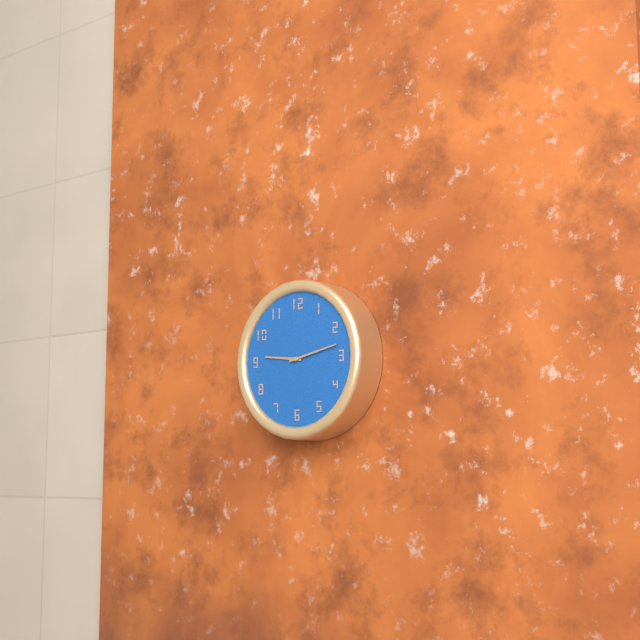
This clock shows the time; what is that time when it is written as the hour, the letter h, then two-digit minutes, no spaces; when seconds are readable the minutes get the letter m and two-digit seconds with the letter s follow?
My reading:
9h13
